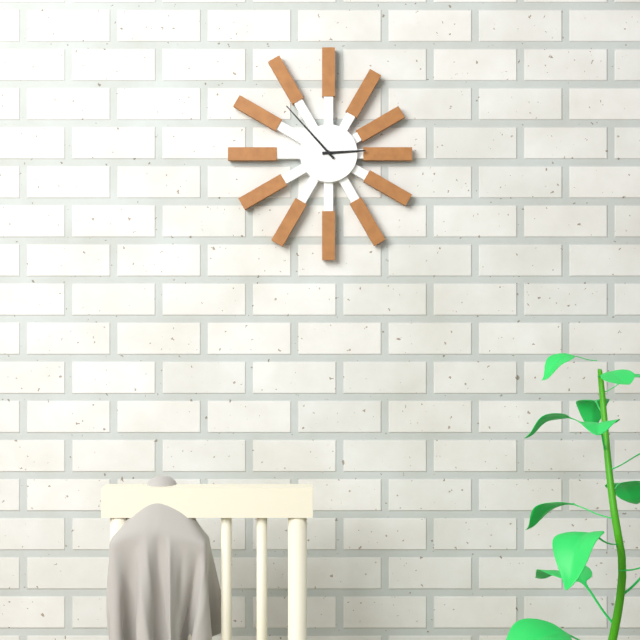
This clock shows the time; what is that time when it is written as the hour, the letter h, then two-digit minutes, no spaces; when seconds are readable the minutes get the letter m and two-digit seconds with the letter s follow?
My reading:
2h53
